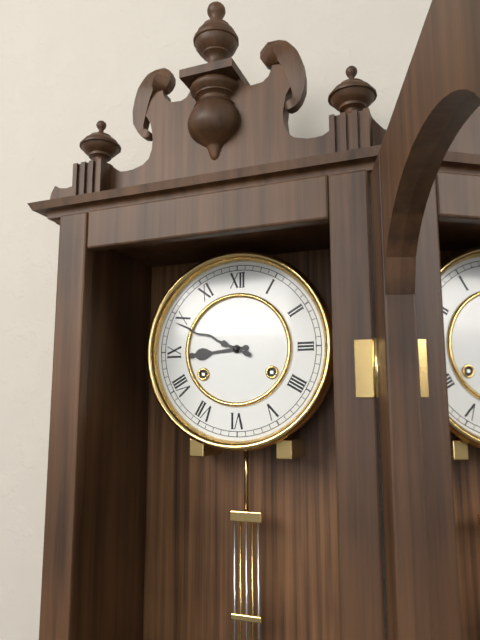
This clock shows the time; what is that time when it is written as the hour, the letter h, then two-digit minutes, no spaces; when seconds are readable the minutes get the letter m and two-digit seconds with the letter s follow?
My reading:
8h49
